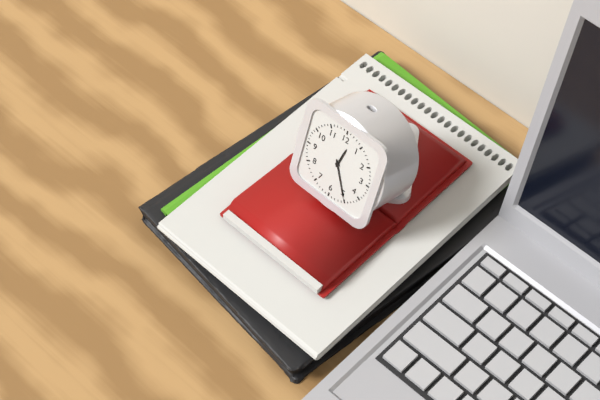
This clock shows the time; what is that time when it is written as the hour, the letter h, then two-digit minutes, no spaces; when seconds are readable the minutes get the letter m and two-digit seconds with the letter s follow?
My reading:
12h25
